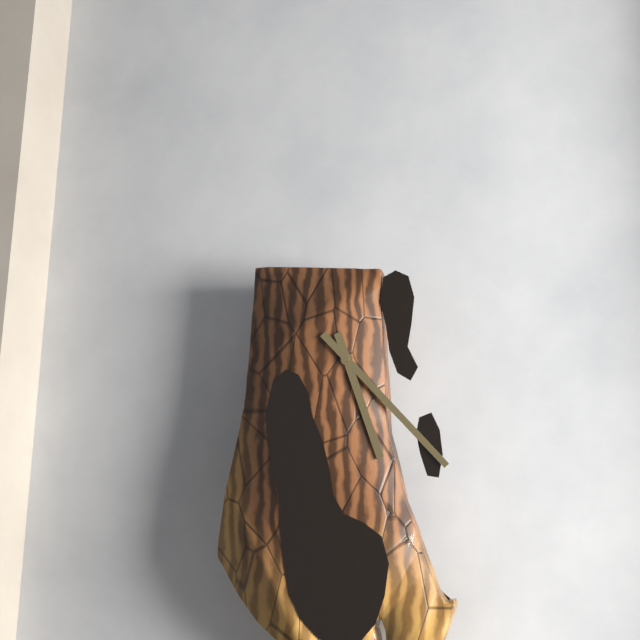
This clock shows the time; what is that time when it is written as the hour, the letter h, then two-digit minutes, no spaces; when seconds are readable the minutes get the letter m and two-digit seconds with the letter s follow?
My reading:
5h23
